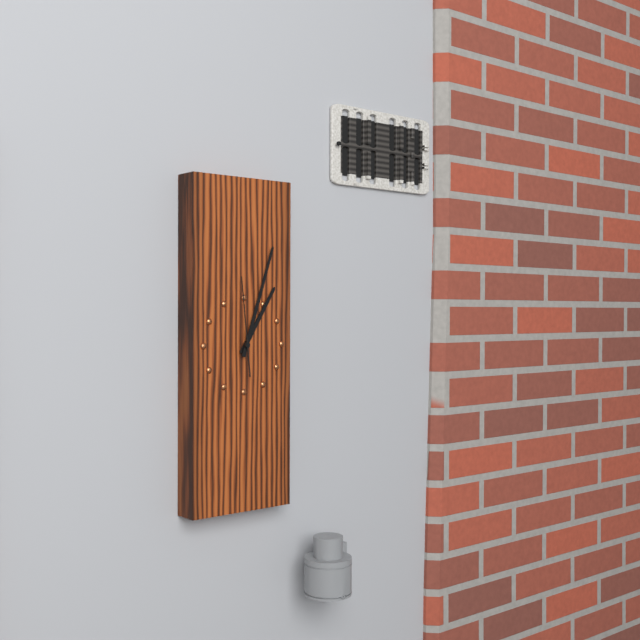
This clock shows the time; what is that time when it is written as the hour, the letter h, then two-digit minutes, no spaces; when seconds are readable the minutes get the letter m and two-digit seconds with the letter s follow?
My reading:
1h03m59s
